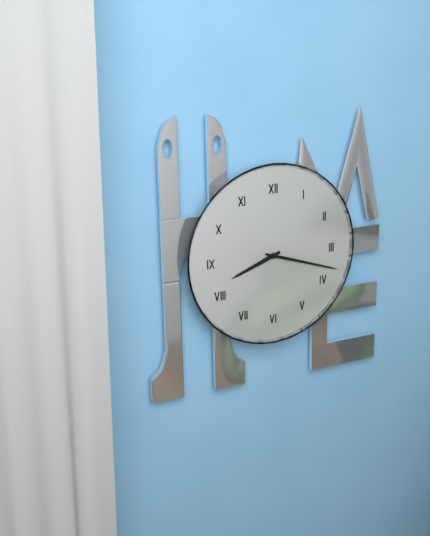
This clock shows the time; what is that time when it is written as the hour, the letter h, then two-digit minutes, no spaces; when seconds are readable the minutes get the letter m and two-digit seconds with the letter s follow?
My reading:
8h18
